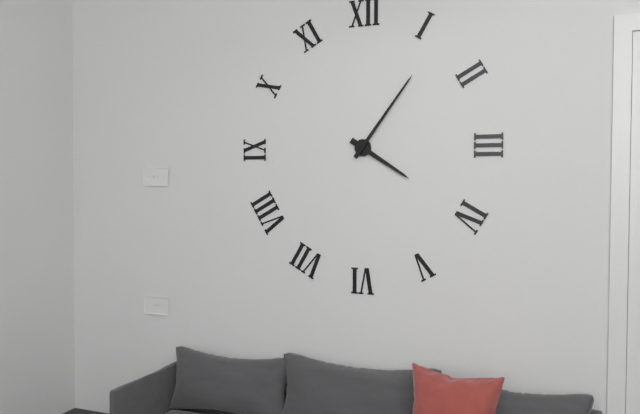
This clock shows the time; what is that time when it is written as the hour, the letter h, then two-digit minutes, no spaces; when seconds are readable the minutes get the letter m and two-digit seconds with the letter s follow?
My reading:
4h06
